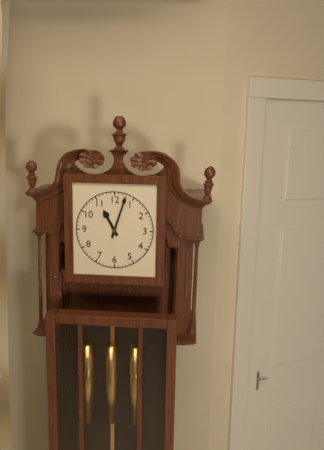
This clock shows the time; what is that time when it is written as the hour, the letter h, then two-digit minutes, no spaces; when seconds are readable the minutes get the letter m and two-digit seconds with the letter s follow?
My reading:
11h03
